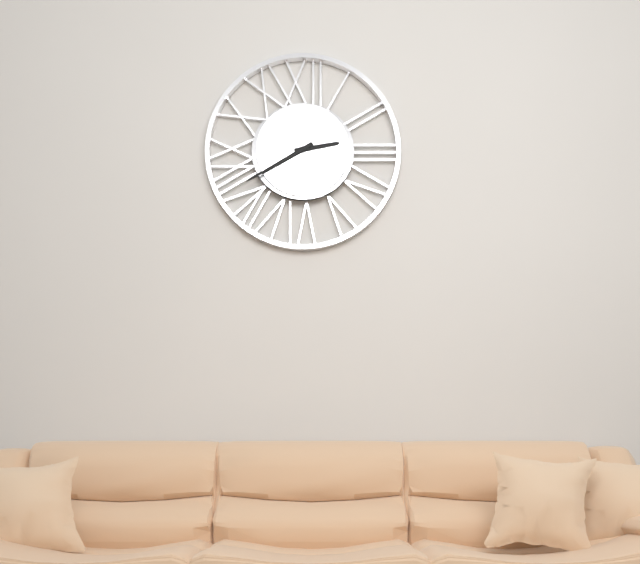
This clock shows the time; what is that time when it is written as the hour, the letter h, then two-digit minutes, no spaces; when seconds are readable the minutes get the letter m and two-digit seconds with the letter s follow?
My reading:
2h40
